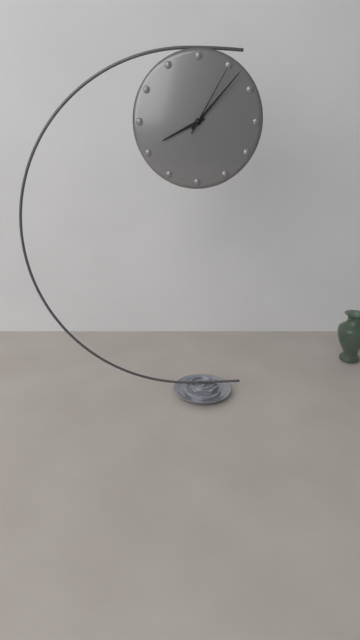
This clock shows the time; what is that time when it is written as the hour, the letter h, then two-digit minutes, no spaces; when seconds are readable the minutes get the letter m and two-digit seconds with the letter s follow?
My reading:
8h07m05s
